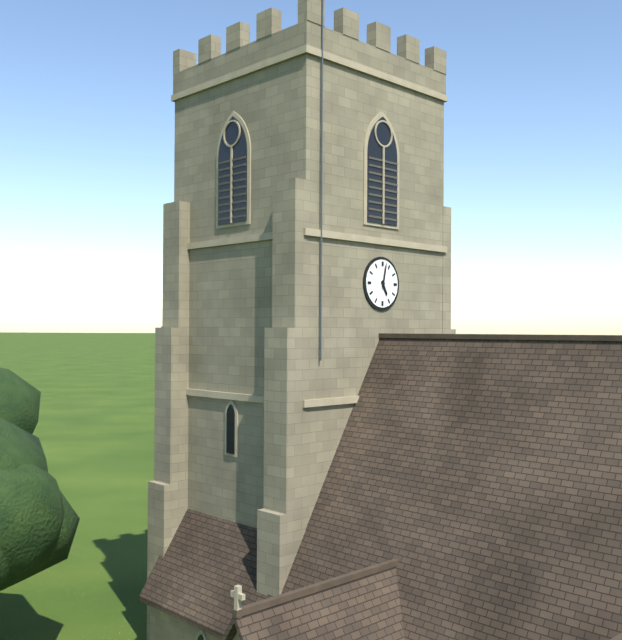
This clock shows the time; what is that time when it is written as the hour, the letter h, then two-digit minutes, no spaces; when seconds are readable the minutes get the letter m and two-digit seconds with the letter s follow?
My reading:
5h02
